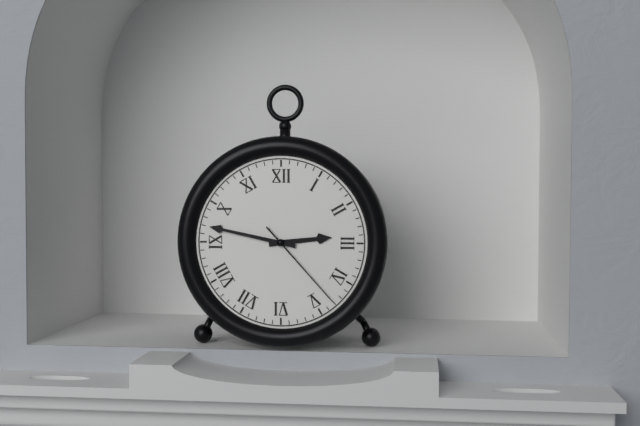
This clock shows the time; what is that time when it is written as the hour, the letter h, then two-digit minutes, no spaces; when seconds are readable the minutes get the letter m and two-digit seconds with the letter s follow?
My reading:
2h47m23s
